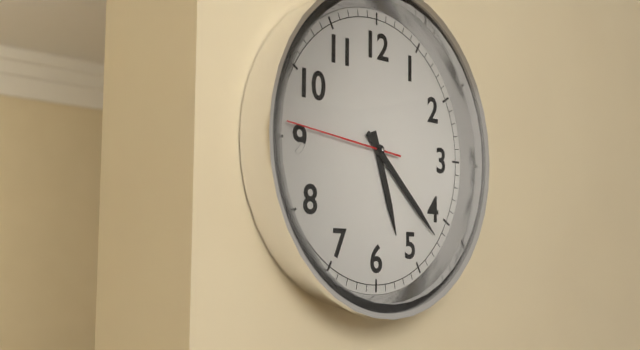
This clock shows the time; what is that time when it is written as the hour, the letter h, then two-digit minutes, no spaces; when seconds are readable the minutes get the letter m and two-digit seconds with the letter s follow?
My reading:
5h22m46s
